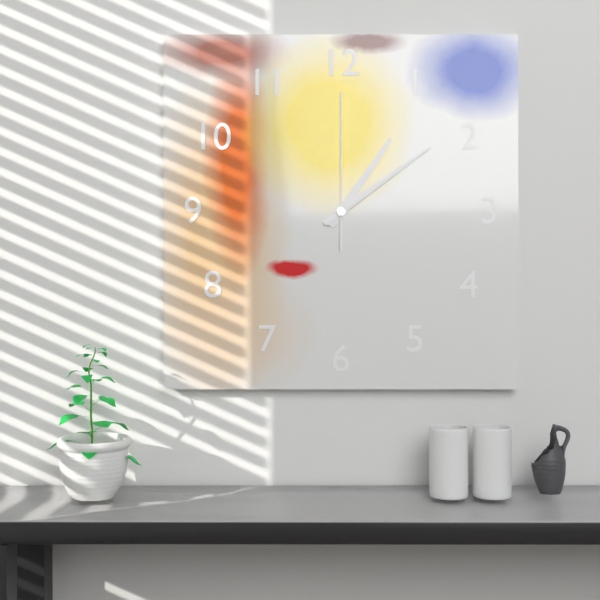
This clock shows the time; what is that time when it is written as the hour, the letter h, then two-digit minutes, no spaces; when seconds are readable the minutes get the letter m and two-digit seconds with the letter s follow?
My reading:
1h09m00s
